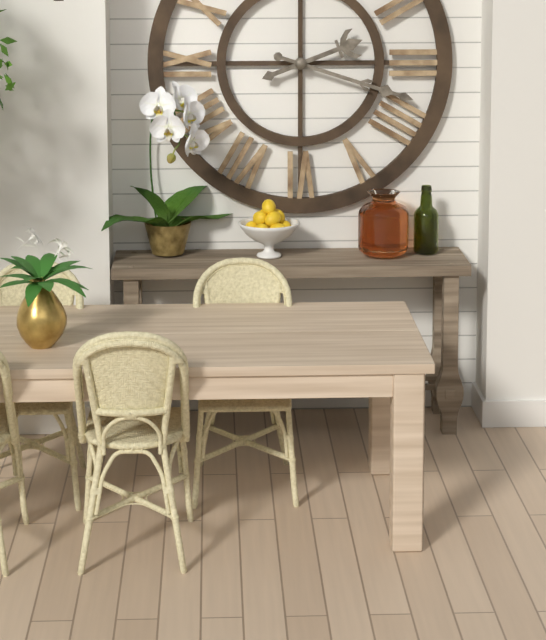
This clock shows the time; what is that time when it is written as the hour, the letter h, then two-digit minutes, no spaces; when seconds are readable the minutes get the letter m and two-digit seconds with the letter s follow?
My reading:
2h18
